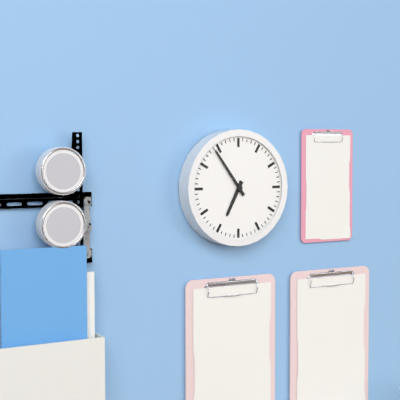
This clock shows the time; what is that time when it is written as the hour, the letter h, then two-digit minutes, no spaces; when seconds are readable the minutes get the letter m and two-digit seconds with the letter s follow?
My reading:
6h54
